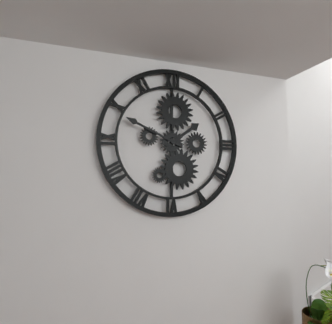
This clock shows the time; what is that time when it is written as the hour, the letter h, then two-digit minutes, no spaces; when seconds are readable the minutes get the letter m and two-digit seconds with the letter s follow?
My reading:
1h49
